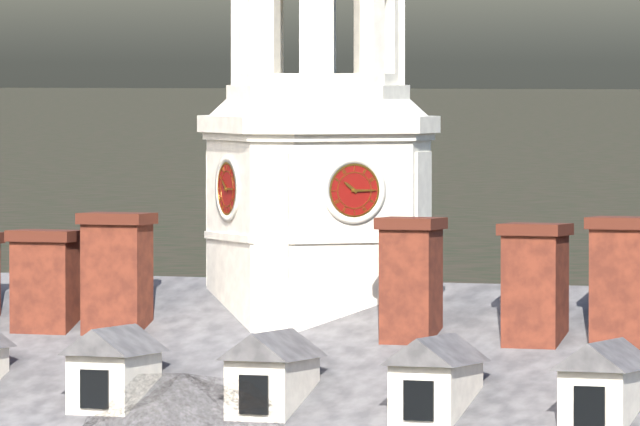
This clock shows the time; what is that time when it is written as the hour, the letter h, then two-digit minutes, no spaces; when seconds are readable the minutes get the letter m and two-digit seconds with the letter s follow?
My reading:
10h15
